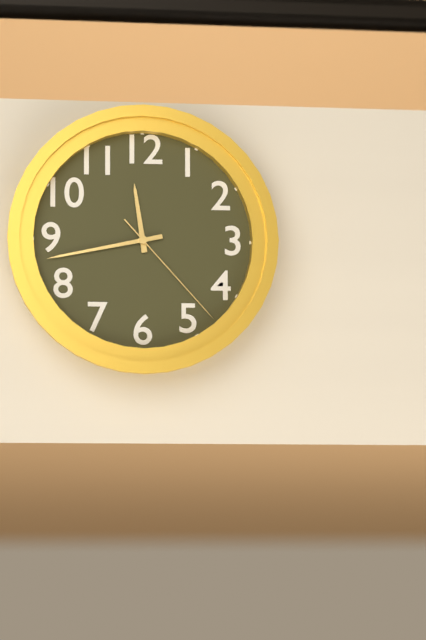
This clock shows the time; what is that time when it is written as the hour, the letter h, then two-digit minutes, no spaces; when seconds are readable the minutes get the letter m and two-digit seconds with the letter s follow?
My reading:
11h43m23s
